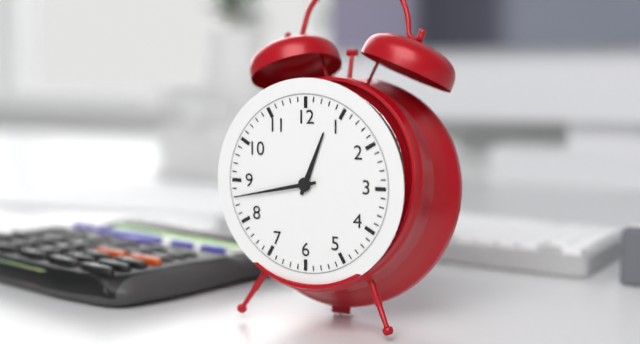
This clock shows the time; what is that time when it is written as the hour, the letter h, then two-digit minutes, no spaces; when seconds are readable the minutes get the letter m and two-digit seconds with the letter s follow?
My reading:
12h43
